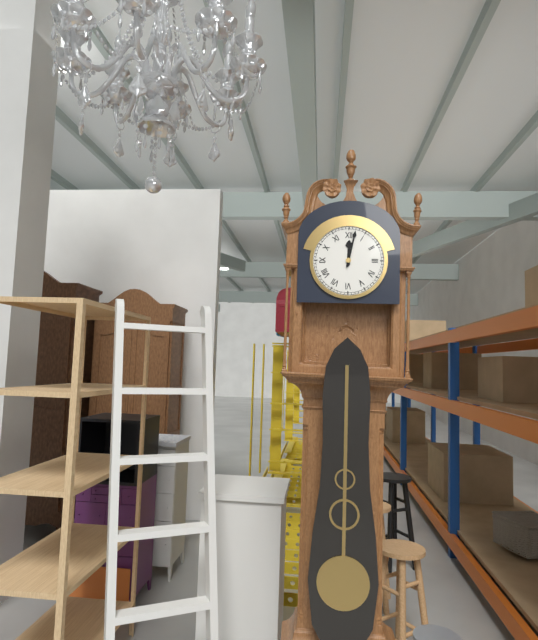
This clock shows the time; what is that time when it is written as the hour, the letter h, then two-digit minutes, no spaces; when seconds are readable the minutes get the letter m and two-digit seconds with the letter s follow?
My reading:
12h02
